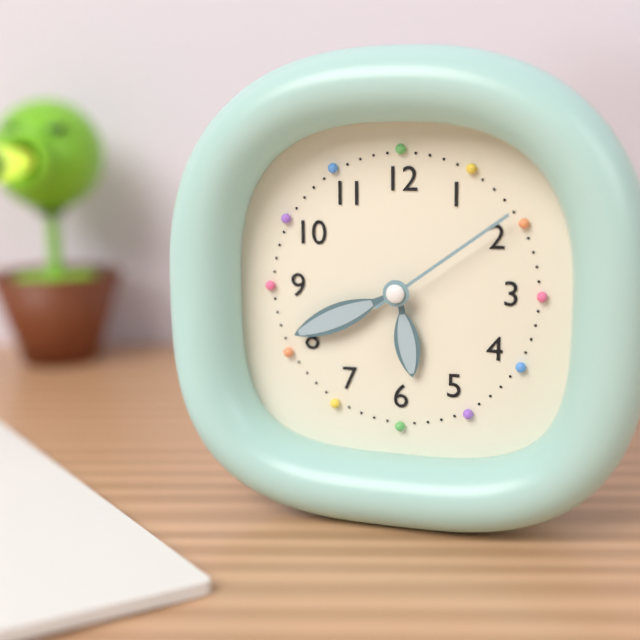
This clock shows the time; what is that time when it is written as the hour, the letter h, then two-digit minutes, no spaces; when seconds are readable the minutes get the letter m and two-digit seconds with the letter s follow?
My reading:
5h41m09s
